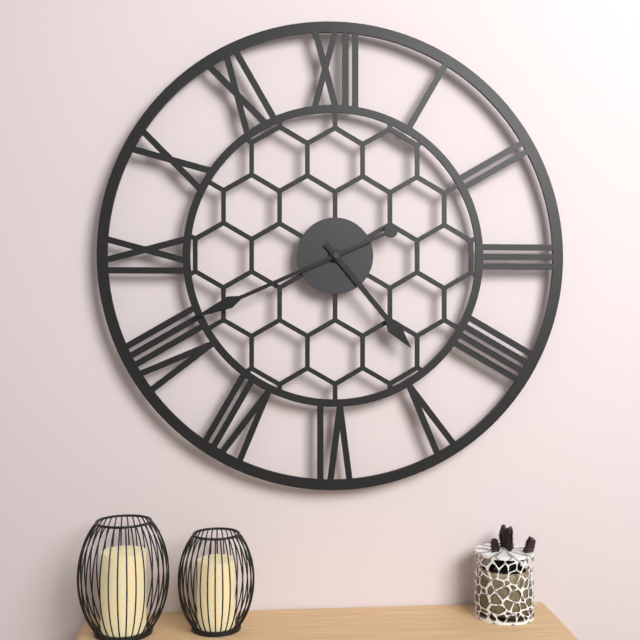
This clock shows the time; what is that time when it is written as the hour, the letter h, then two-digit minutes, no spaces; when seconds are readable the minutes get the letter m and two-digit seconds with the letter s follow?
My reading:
4h41
